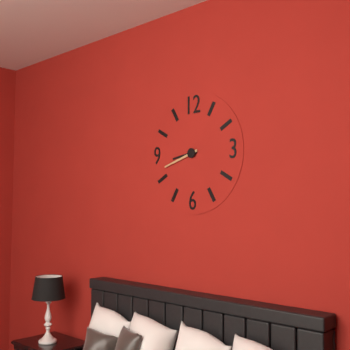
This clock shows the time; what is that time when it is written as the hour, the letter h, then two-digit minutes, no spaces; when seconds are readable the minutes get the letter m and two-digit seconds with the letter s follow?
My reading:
8h42
